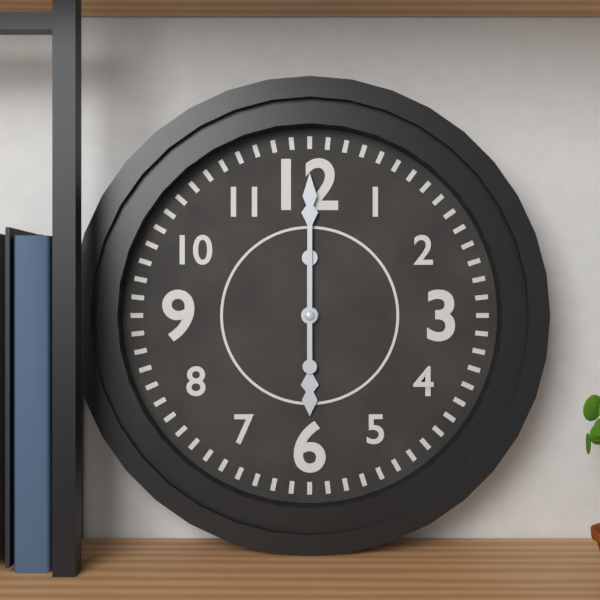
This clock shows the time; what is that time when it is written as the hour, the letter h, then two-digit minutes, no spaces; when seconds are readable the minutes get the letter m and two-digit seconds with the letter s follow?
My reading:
6h00
